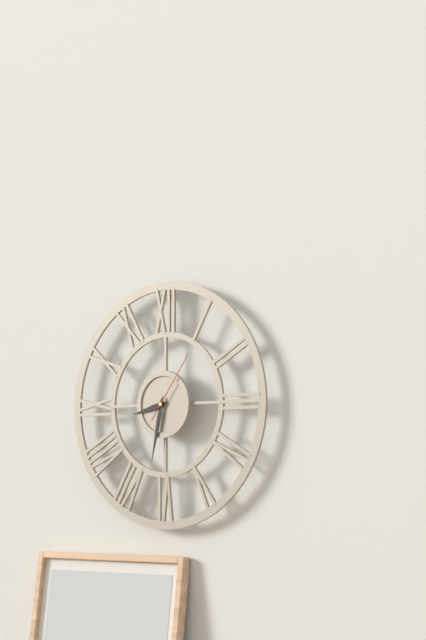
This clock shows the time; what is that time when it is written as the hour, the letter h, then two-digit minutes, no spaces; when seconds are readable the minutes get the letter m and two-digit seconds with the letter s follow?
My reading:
8h32m06s
